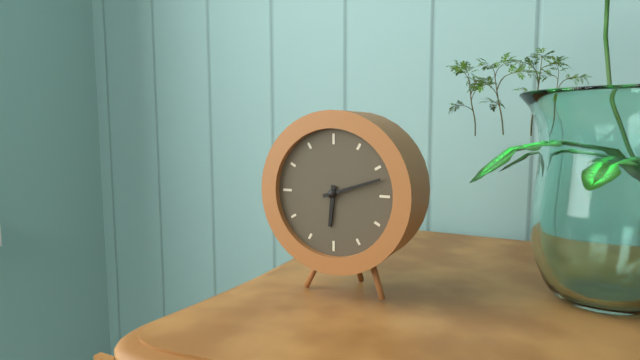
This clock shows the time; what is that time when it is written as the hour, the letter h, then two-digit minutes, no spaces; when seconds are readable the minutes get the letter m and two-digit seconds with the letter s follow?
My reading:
6h12
